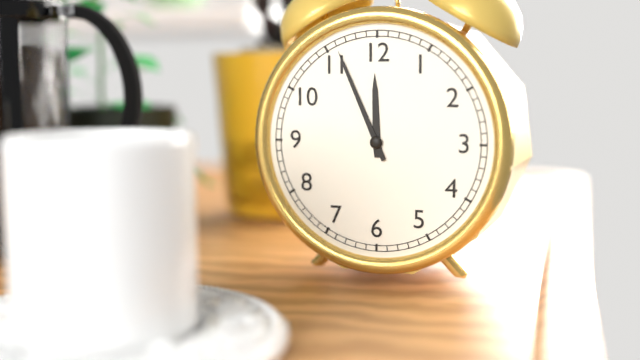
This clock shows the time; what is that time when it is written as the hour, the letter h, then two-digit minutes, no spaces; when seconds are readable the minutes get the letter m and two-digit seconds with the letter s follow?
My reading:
11h56
